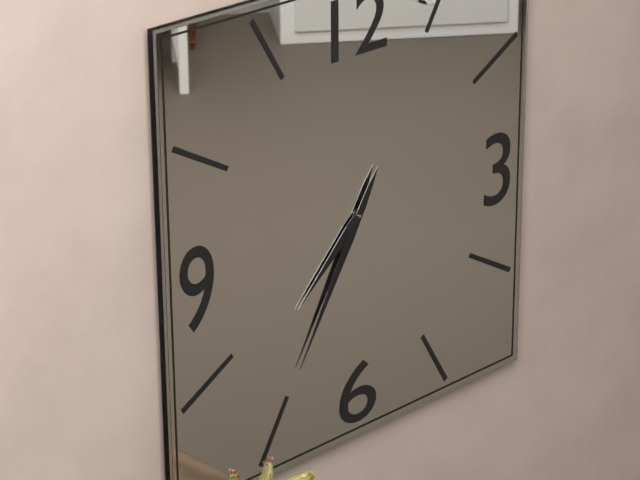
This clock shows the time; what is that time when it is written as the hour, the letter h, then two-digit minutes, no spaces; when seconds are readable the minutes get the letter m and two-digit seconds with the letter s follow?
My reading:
7h35
